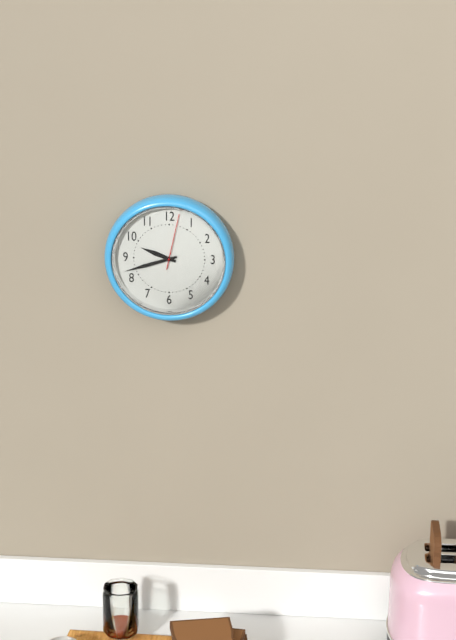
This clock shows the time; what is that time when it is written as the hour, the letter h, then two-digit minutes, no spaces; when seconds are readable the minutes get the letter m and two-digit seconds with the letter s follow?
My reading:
9h42m02s
